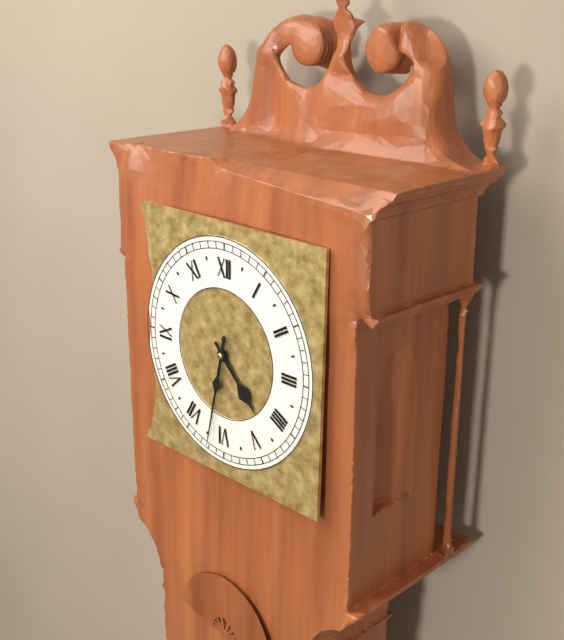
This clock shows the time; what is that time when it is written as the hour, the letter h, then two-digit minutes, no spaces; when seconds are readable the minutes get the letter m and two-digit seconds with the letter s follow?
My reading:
4h32
